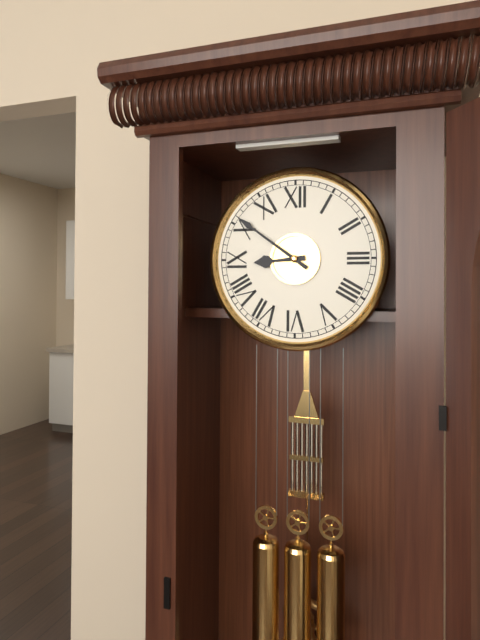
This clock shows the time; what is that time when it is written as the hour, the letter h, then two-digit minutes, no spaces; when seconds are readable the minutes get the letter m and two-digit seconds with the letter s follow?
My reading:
8h51
